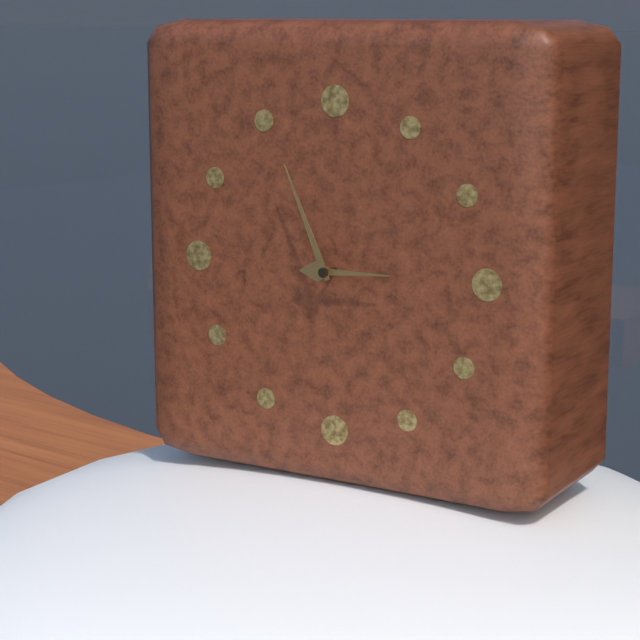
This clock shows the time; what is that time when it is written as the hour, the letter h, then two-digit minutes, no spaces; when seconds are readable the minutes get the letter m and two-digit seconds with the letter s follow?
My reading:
2h56
